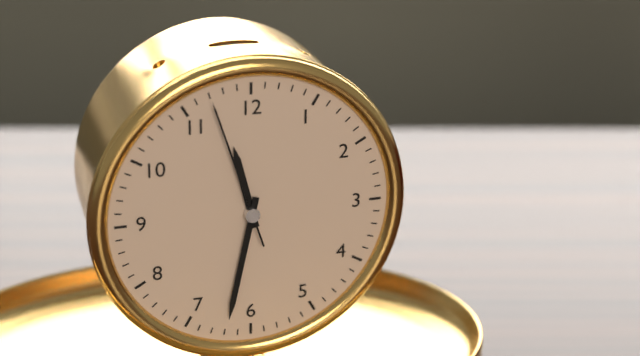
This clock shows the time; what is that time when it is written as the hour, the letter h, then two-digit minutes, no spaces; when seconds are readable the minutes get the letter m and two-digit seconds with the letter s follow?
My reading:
11h32m57s
